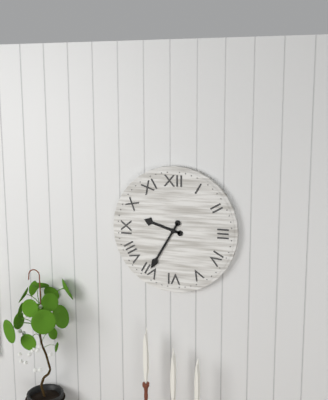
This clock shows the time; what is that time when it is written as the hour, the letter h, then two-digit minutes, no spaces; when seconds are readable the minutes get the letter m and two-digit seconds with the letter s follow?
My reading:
9h35
